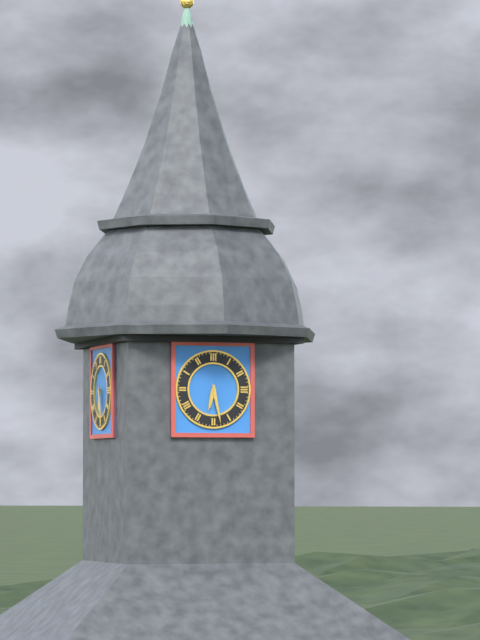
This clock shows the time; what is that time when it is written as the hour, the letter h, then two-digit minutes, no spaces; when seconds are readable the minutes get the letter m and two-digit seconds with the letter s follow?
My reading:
6h28
